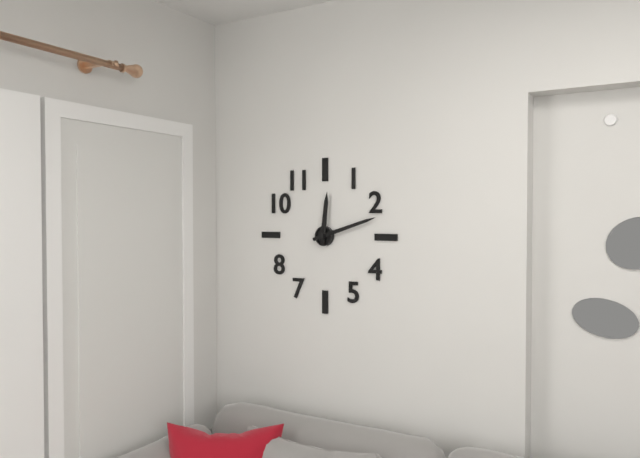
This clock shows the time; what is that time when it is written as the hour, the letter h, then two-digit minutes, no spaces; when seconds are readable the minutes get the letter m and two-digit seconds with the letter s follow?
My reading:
12h12
